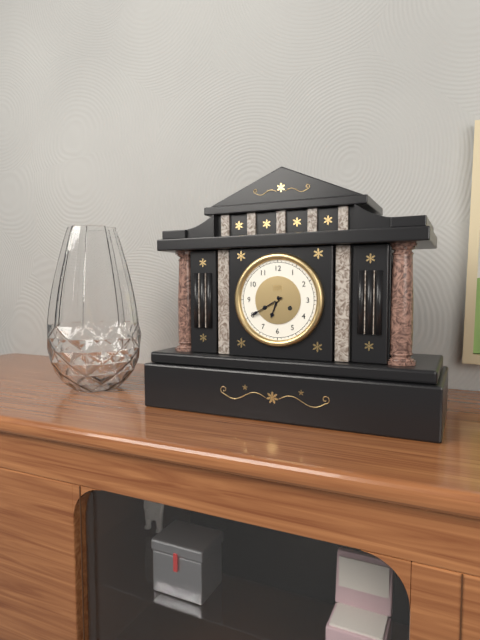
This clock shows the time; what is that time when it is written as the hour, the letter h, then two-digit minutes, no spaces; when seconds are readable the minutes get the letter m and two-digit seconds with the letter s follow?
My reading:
6h40
